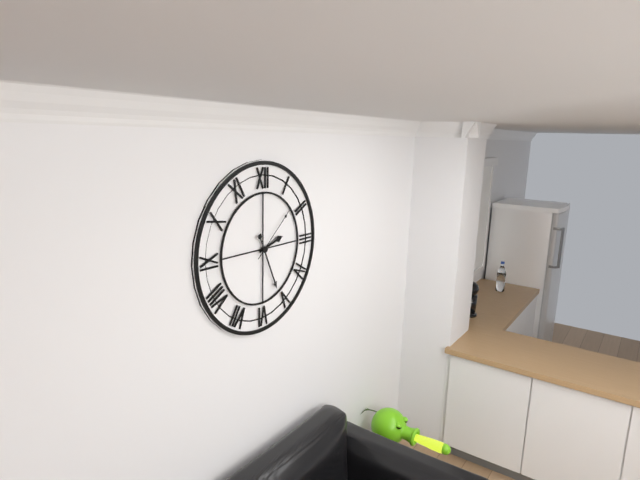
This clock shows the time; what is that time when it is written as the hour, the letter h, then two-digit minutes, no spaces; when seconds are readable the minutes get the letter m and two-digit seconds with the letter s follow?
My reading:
2h26m08s
